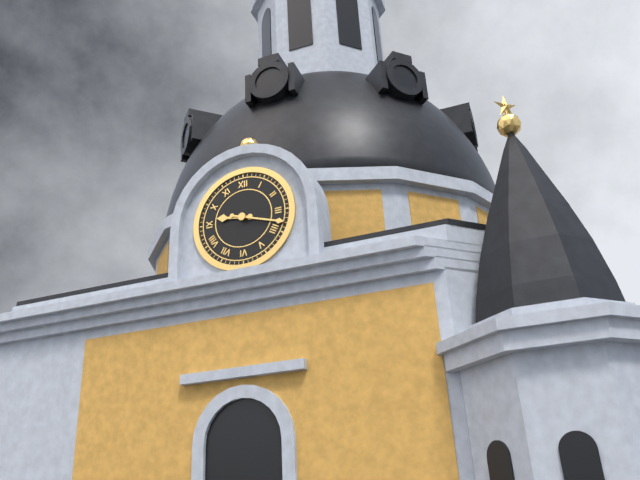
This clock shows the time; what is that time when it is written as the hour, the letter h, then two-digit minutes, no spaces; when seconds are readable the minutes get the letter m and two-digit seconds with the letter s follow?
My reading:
9h18
